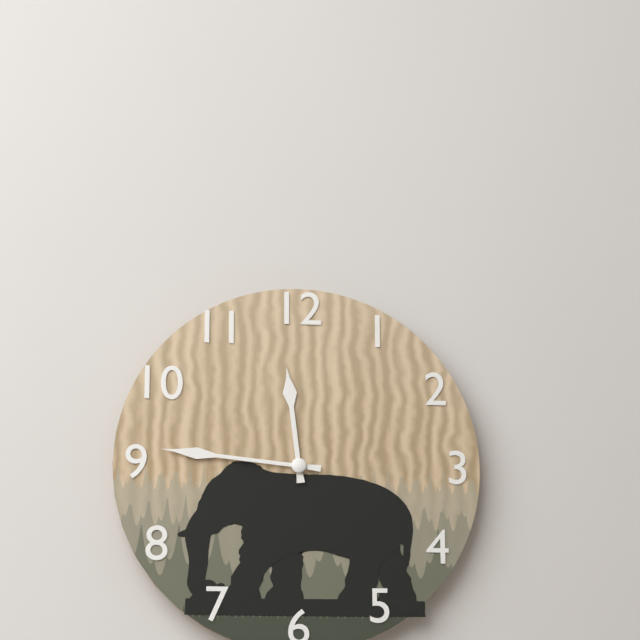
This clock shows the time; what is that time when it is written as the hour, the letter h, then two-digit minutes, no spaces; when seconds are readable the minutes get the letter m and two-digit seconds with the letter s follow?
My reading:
11h46
